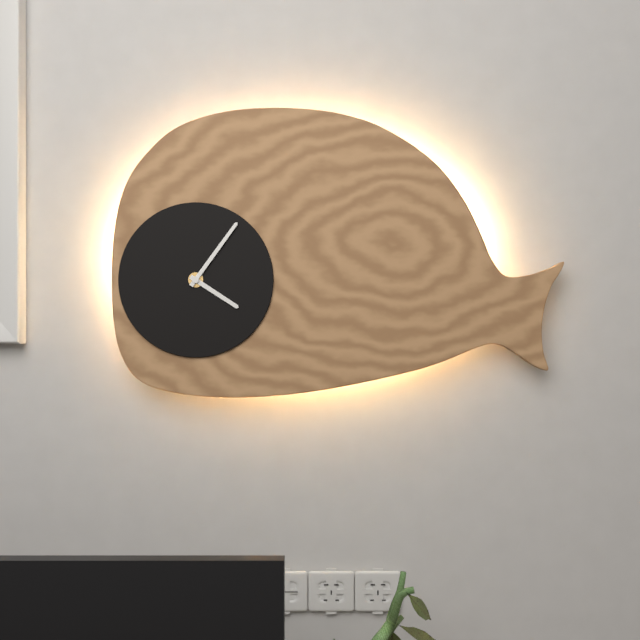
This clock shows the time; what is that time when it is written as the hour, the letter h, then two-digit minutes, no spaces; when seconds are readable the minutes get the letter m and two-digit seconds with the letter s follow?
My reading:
4h06
